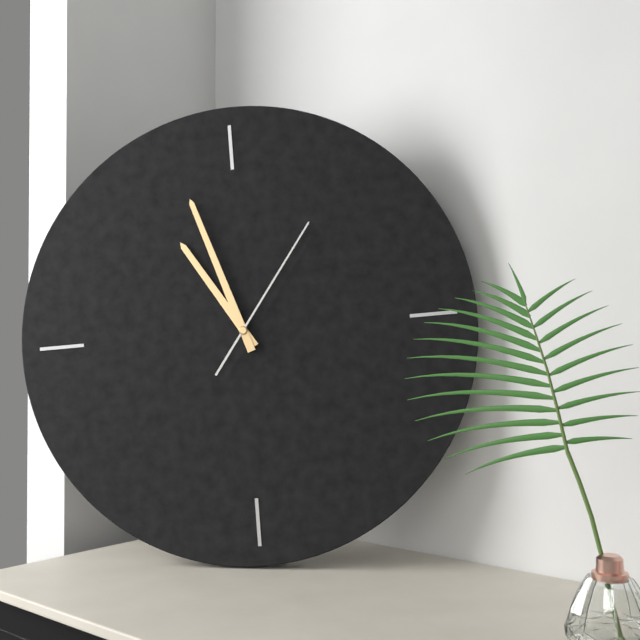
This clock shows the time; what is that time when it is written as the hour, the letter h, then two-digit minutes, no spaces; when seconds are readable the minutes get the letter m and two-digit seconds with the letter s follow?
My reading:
10h57m06s
